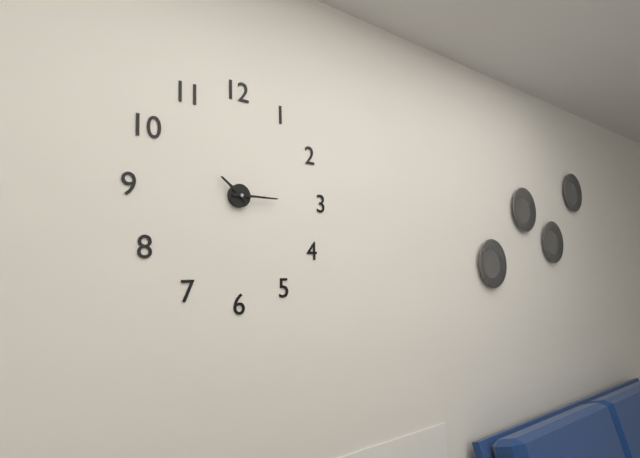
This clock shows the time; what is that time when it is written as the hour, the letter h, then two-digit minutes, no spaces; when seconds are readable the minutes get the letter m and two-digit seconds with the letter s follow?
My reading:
10h15
